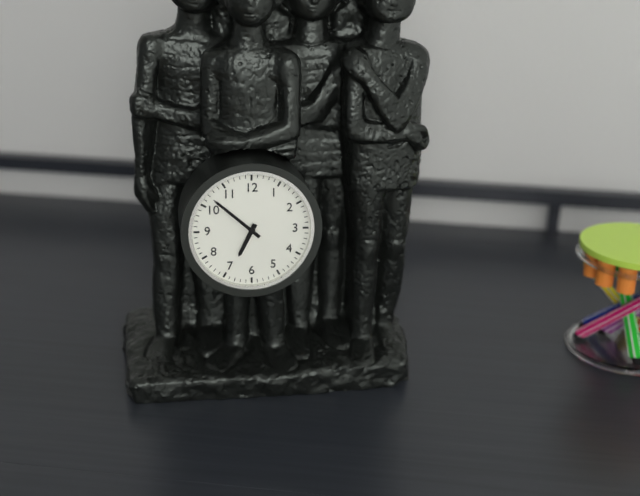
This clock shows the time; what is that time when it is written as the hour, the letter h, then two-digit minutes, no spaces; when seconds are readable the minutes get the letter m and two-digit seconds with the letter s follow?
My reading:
6h52
